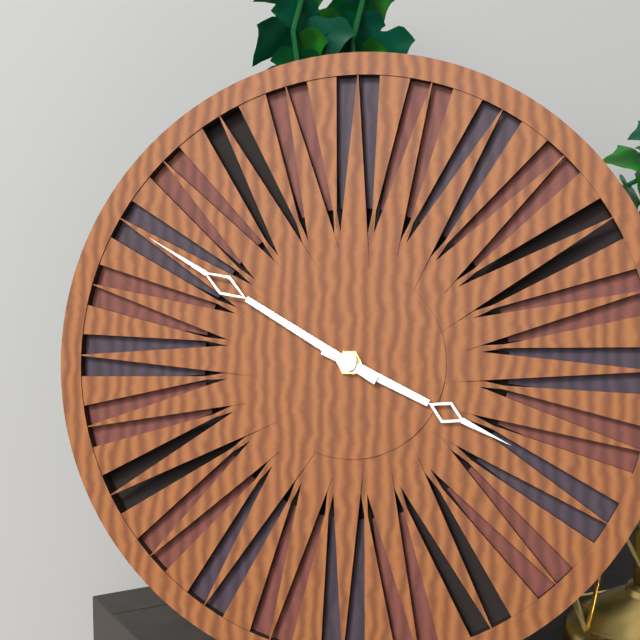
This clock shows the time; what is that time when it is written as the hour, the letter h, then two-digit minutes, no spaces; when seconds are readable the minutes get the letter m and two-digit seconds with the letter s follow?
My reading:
3h50
